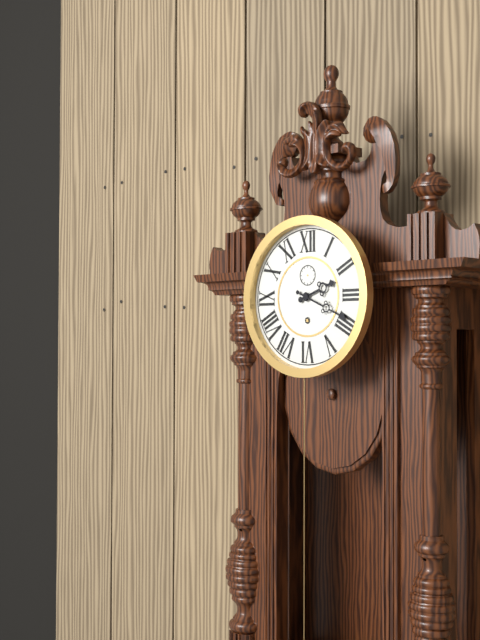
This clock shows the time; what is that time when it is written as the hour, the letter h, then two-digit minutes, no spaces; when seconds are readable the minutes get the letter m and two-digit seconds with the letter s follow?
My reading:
2h19
